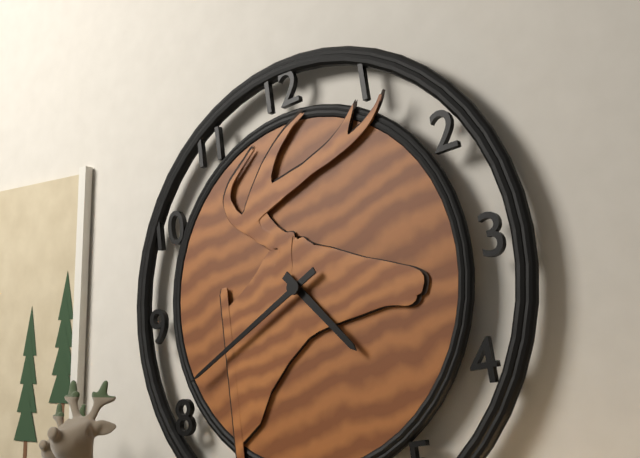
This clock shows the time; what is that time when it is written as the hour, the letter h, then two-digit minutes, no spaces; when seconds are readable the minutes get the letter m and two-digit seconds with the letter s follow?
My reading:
4h41
